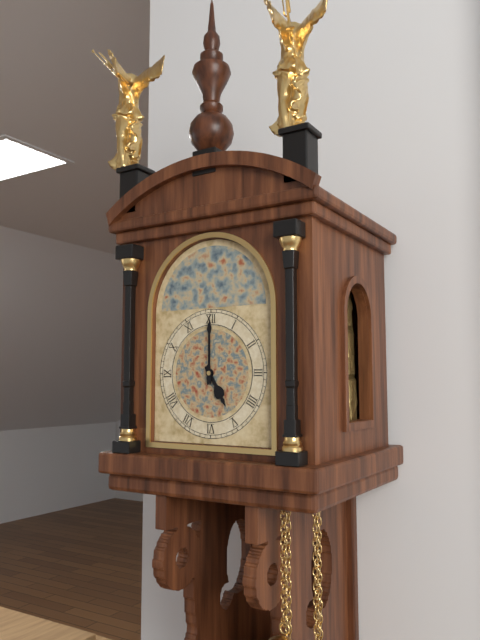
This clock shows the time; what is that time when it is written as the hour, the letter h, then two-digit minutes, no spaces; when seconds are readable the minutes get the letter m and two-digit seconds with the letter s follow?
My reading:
5h00
